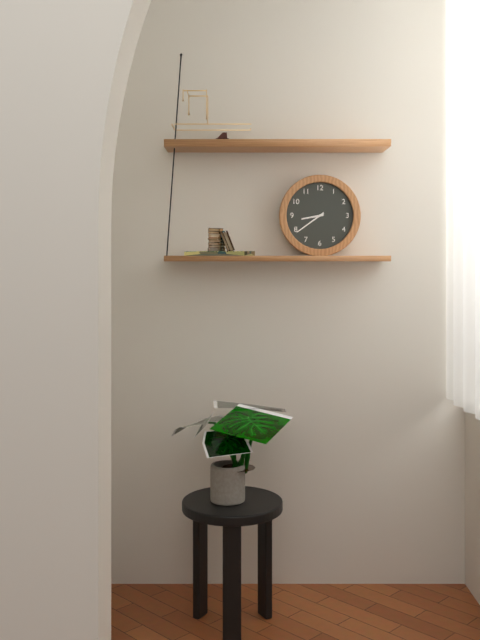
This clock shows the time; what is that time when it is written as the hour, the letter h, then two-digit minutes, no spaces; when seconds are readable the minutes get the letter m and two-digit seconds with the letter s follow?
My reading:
8h39
